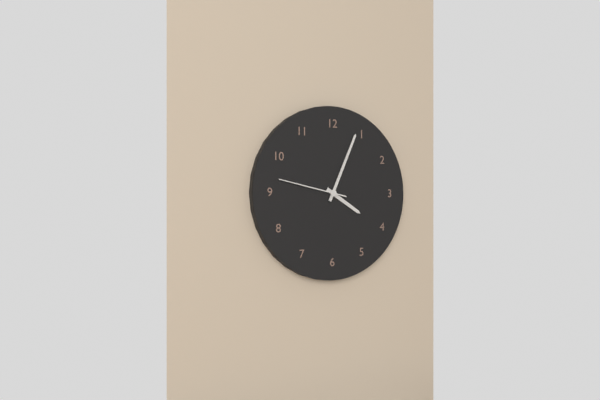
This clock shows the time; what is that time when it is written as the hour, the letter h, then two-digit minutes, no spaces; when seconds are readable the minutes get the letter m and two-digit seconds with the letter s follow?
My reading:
4h04m47s
